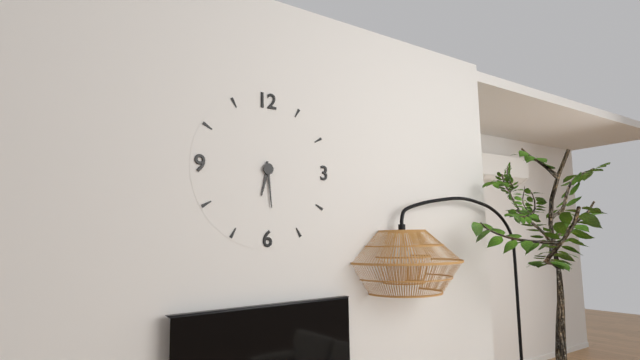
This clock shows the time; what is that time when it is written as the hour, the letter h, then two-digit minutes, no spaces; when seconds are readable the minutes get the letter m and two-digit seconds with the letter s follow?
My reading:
6h29
